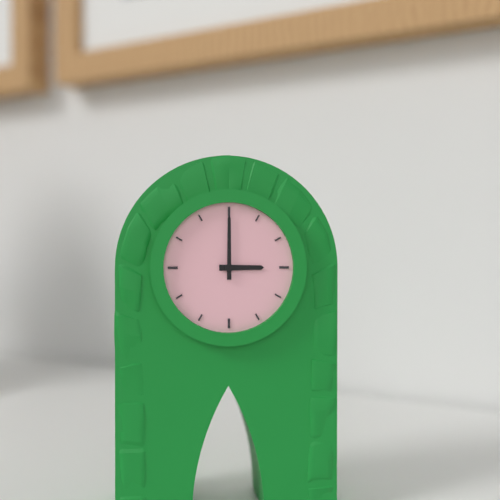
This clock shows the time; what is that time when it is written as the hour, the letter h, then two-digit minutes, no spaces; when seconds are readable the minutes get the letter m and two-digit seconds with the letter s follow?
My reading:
3h00
